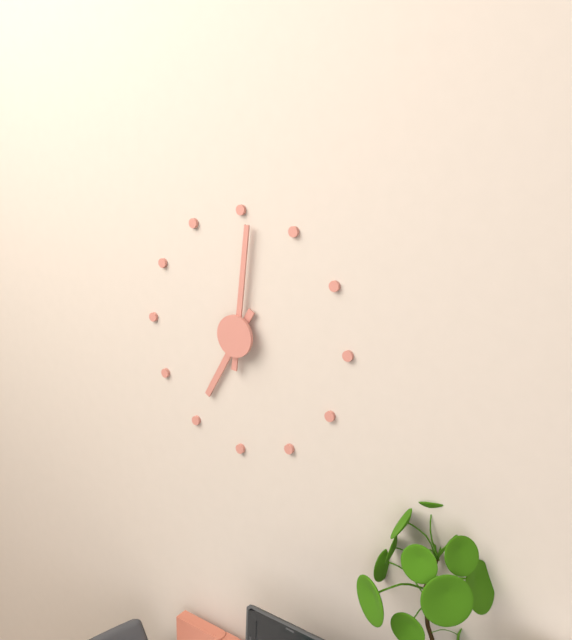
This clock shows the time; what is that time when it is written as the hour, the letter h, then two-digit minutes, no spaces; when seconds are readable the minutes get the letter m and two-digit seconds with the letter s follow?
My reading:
7h01
